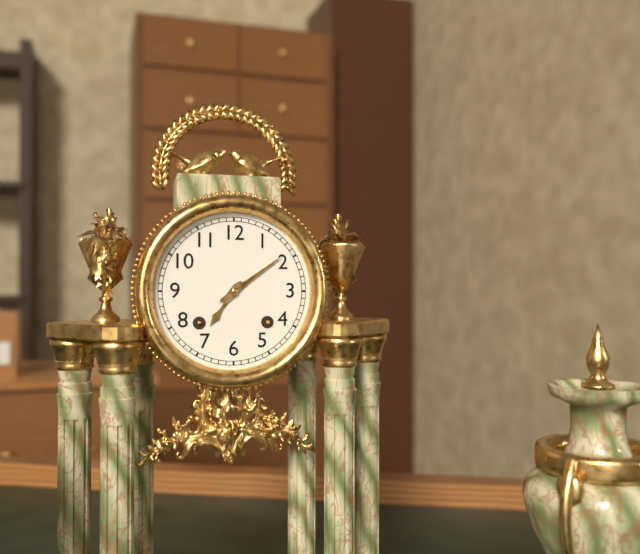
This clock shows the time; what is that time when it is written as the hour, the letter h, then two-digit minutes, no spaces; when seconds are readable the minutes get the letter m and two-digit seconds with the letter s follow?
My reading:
7h09
